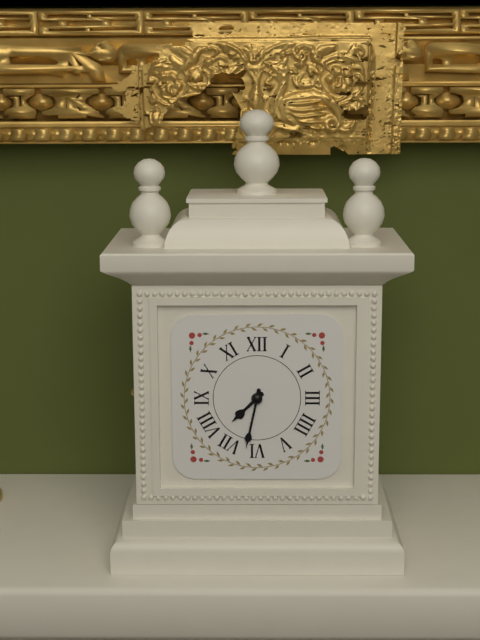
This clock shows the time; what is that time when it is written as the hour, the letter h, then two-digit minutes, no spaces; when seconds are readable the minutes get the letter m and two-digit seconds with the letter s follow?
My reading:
7h32
